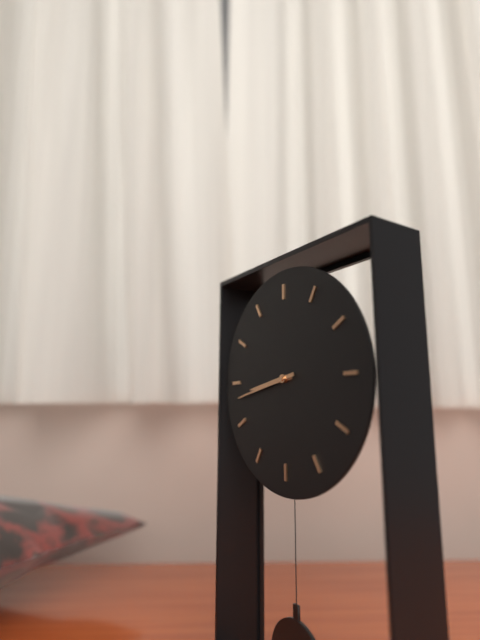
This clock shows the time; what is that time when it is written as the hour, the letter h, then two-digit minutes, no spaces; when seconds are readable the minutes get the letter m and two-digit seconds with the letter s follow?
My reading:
8h43
